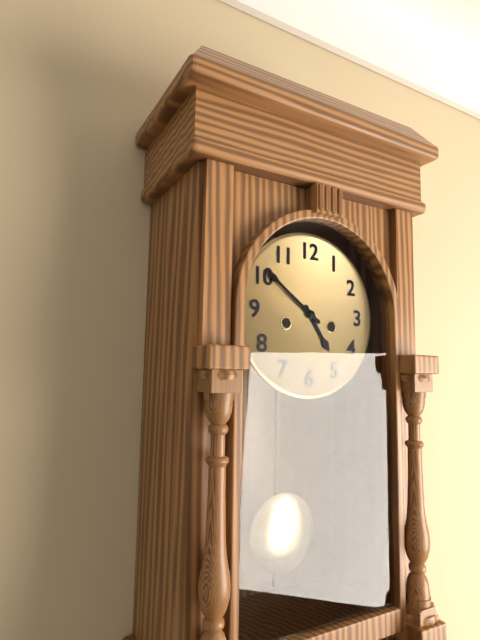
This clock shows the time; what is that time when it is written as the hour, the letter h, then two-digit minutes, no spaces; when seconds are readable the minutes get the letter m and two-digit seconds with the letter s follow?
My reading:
4h51
